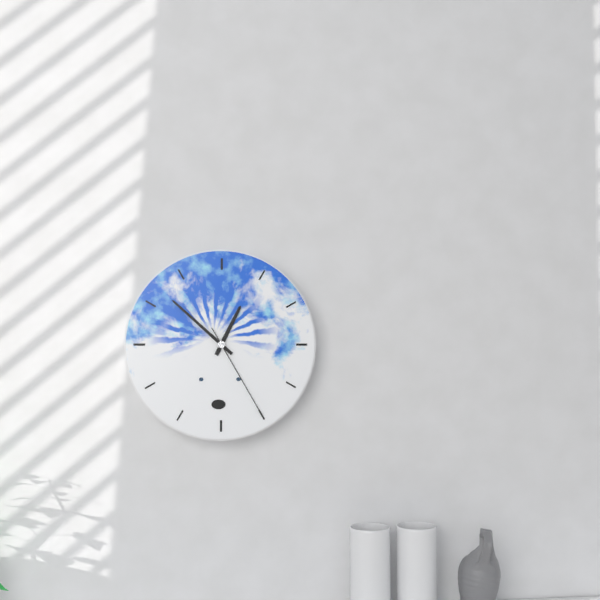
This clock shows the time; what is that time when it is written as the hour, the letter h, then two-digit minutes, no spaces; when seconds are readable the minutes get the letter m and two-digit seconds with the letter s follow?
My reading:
12h52m25s
